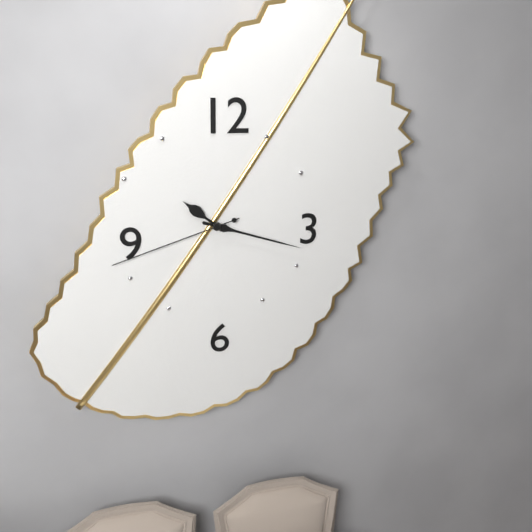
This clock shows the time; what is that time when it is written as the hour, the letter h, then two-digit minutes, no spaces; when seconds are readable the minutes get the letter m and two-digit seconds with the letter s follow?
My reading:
10h18m42s
